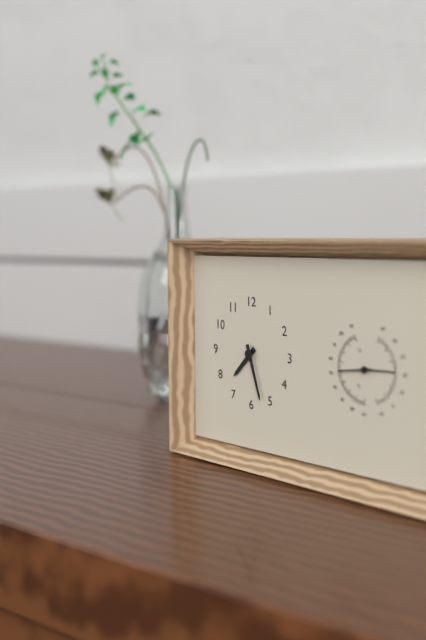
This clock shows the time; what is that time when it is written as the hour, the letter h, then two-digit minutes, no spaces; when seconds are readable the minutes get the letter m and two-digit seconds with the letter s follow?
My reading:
7h27
